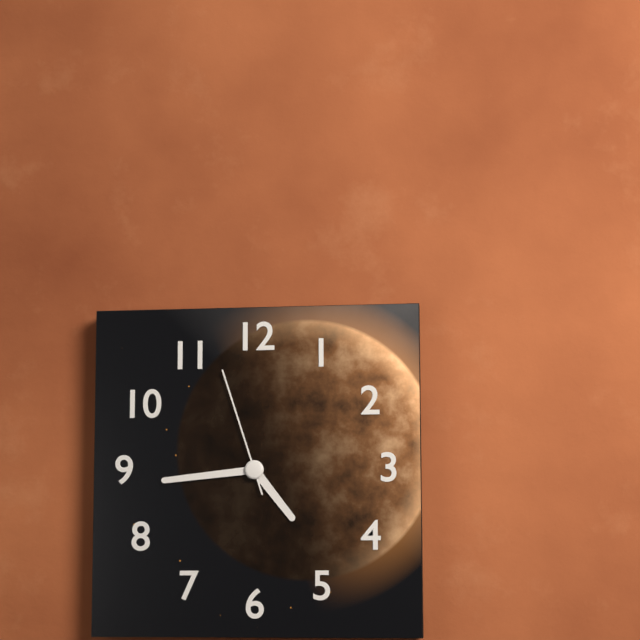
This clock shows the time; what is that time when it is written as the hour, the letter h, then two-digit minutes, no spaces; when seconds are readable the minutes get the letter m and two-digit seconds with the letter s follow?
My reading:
4h44m57s
